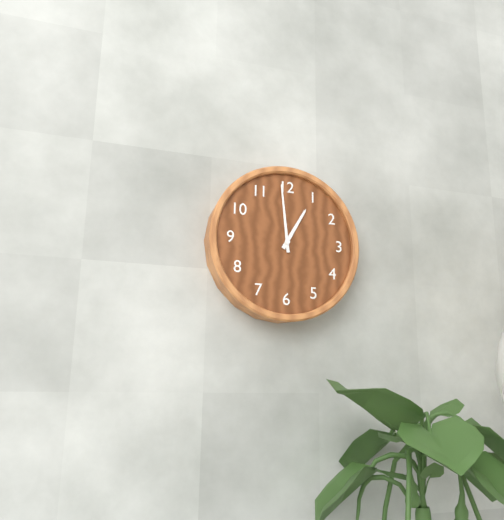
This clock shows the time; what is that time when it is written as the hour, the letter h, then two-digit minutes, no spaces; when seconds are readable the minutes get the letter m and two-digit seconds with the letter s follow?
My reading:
12h59
